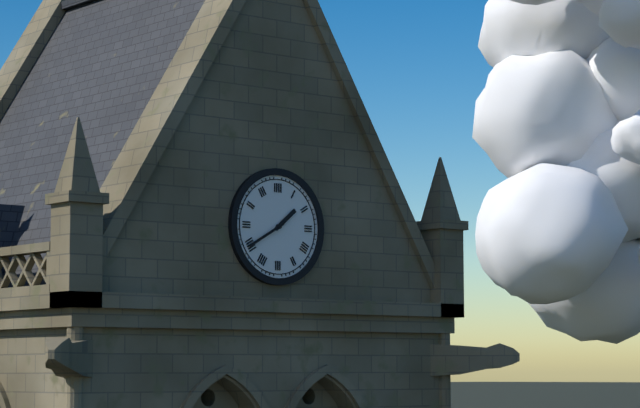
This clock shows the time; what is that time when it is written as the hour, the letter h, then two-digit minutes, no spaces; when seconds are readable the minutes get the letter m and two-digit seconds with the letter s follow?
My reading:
1h40
